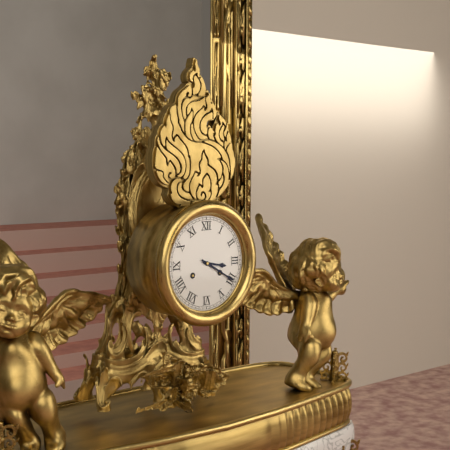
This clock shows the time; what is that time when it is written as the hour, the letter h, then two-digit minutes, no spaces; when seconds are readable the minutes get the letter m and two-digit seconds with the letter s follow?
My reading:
3h20
